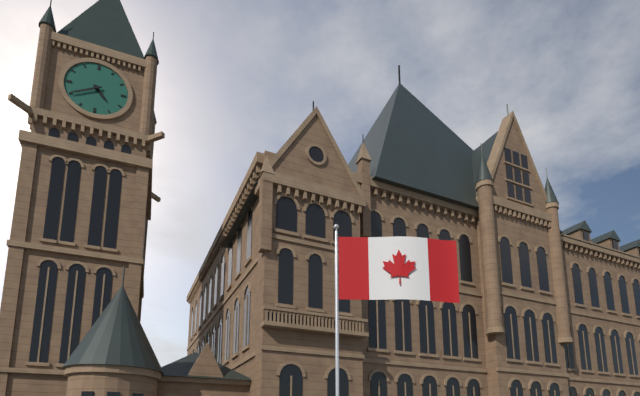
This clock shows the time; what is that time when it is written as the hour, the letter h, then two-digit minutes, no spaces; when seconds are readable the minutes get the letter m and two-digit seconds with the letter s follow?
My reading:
4h40
